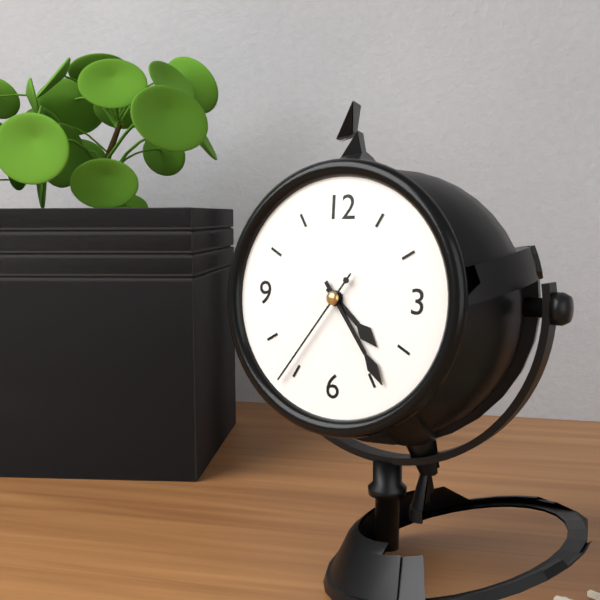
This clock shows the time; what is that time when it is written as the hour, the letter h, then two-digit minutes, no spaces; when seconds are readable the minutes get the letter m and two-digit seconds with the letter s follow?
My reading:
4h24m36s
